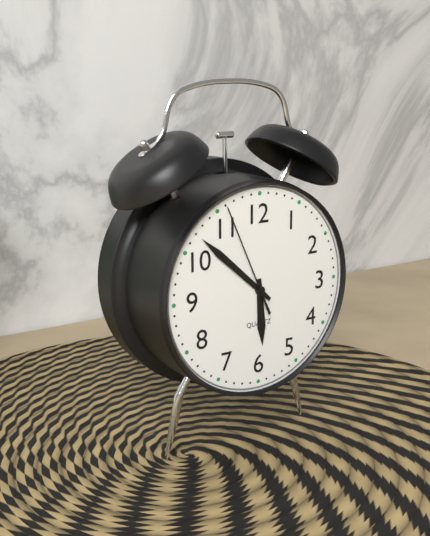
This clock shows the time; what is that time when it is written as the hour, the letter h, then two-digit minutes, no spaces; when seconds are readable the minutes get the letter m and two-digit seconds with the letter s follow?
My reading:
5h52m56s
